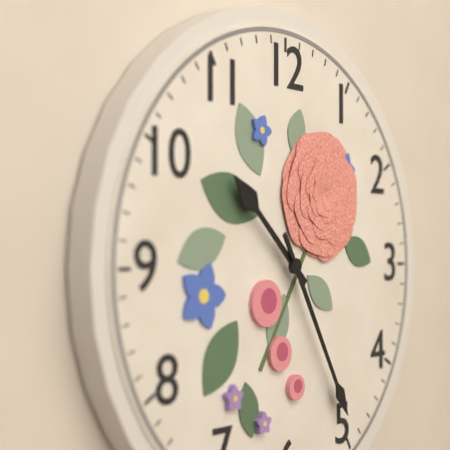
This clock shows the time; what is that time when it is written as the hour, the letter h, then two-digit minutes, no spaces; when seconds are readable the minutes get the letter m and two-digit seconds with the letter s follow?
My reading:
10h25
